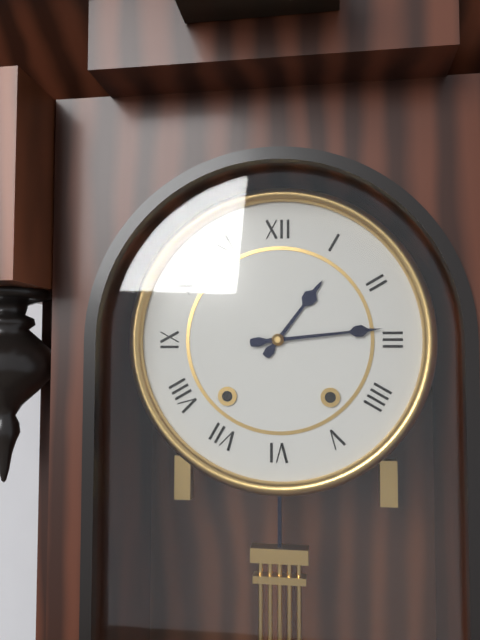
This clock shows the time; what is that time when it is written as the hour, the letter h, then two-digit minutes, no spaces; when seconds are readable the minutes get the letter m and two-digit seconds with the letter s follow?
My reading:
1h14
